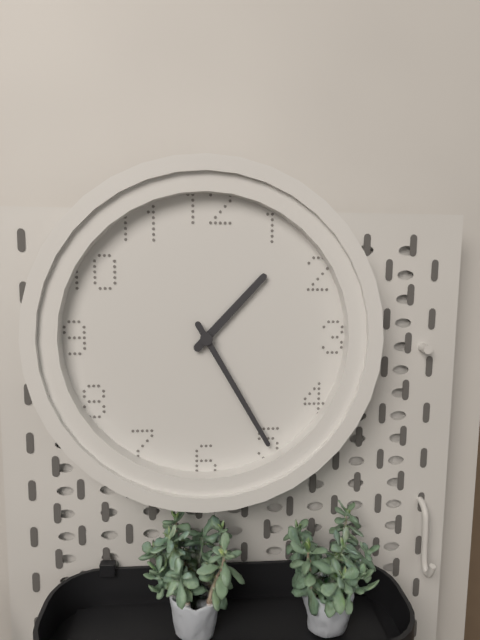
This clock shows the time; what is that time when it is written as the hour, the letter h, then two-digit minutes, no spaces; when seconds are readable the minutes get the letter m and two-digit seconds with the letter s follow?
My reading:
1h25
